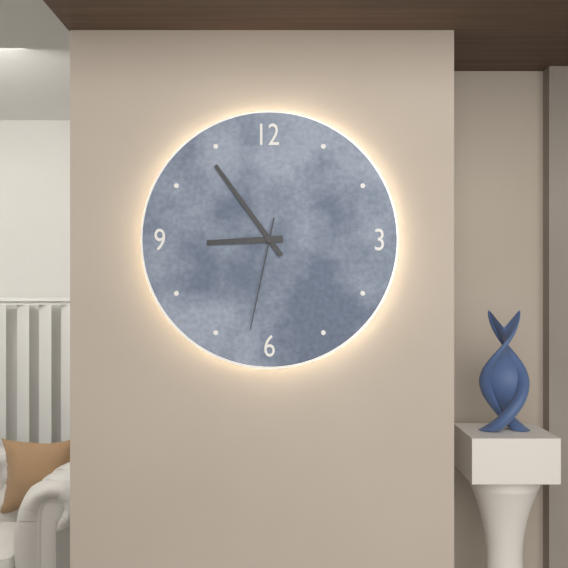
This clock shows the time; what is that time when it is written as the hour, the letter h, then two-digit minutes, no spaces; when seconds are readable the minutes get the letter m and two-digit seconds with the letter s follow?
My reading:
8h54m32s
